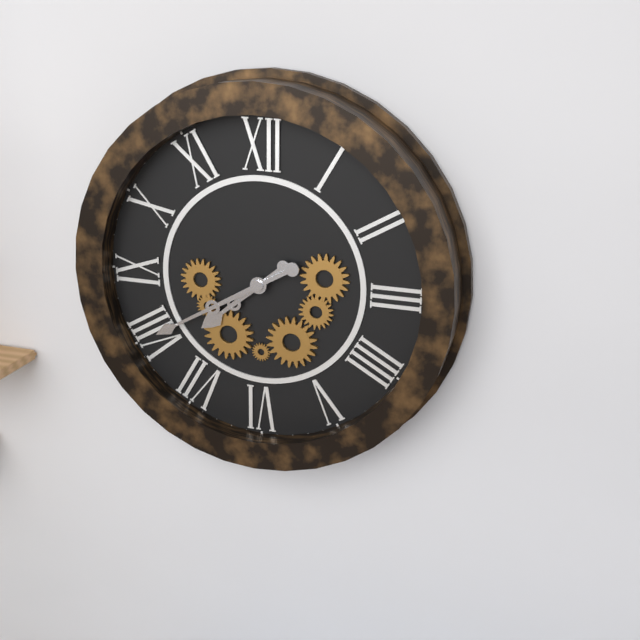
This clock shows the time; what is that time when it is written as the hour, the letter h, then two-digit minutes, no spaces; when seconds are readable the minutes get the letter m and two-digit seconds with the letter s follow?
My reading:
7h40
